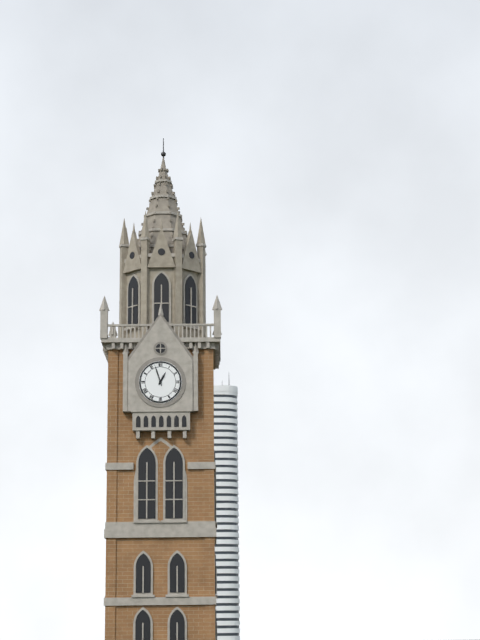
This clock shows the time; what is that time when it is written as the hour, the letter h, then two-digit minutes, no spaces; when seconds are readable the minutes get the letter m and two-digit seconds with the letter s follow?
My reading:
12h57
